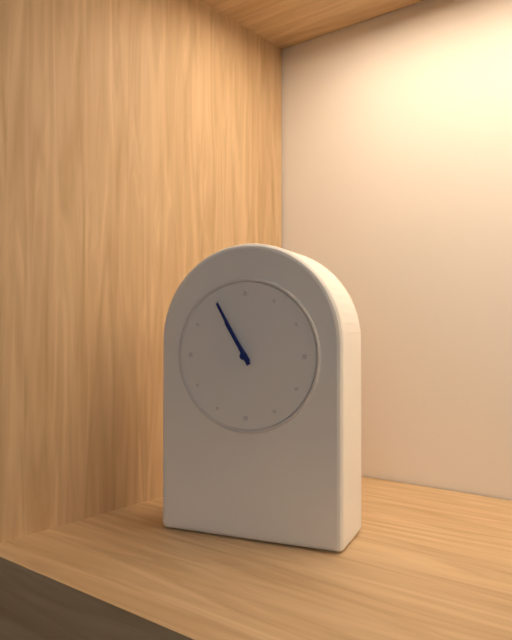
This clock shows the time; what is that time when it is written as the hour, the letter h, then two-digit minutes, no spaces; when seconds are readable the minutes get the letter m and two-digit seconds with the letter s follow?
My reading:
10h55
